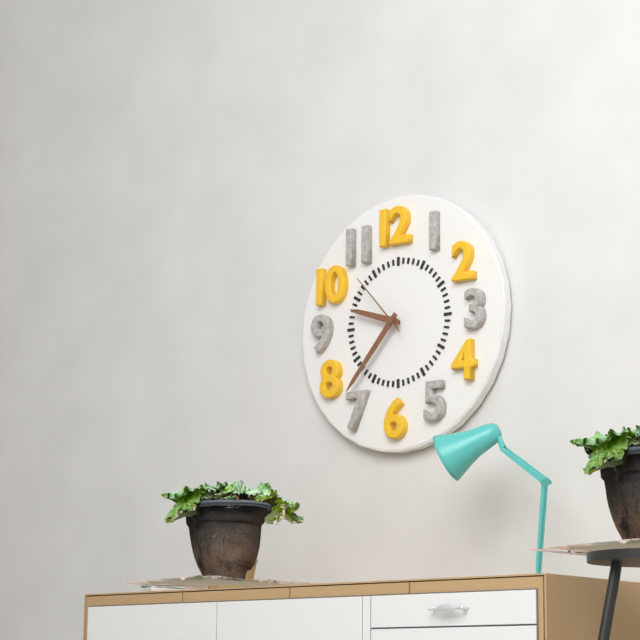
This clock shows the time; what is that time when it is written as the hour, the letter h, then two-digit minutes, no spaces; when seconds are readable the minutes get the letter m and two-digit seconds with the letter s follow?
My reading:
9h37m53s
